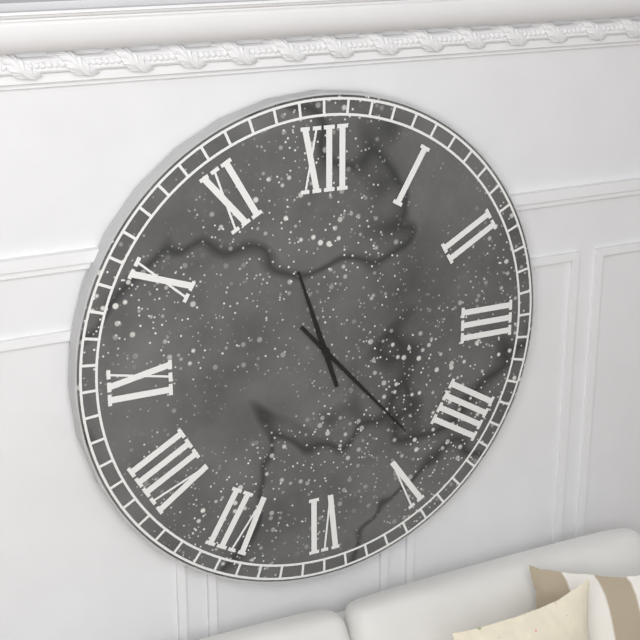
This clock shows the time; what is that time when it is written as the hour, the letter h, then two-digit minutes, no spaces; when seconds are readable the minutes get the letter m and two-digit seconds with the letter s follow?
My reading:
11h23
